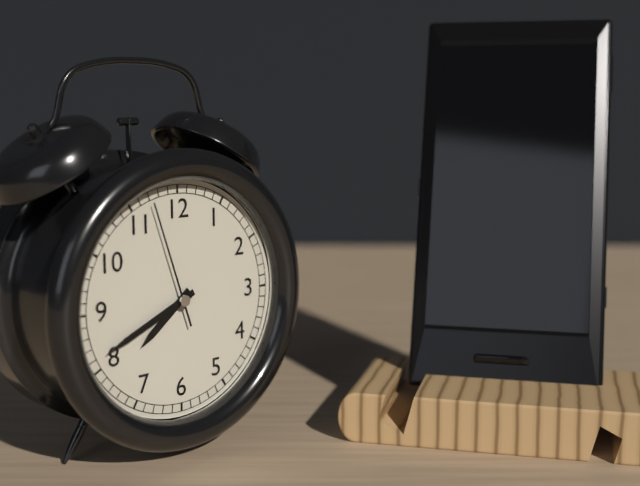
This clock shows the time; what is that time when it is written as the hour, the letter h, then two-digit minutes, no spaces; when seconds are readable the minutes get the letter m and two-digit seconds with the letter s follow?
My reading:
7h41m57s
